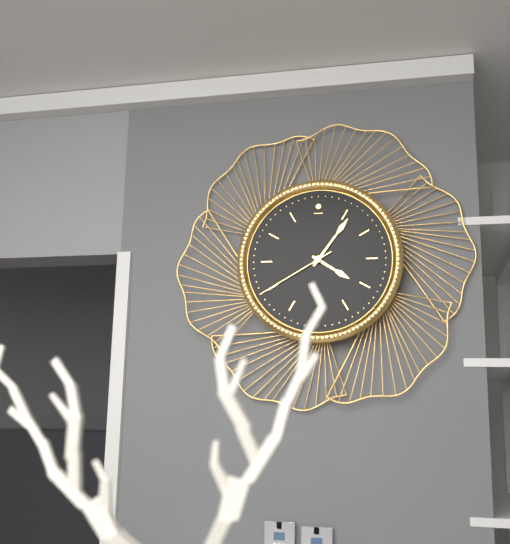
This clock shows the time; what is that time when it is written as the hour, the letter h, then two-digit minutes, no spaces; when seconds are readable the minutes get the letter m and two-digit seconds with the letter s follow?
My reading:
4h06m40s
